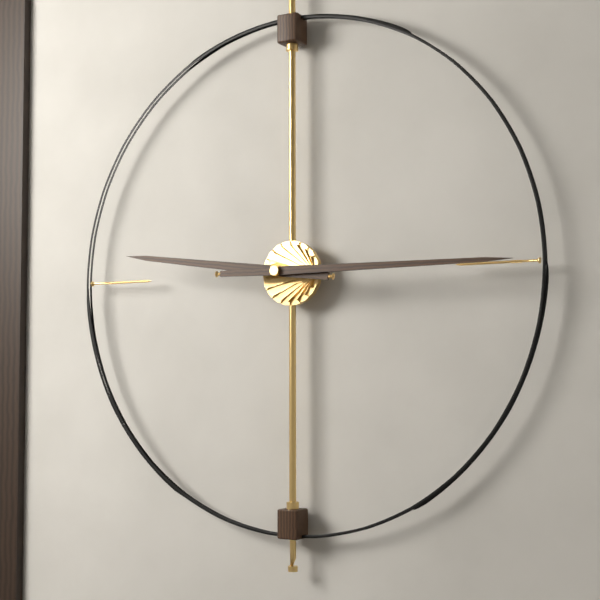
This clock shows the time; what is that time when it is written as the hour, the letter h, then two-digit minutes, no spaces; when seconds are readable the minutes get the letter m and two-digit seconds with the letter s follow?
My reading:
9h15
